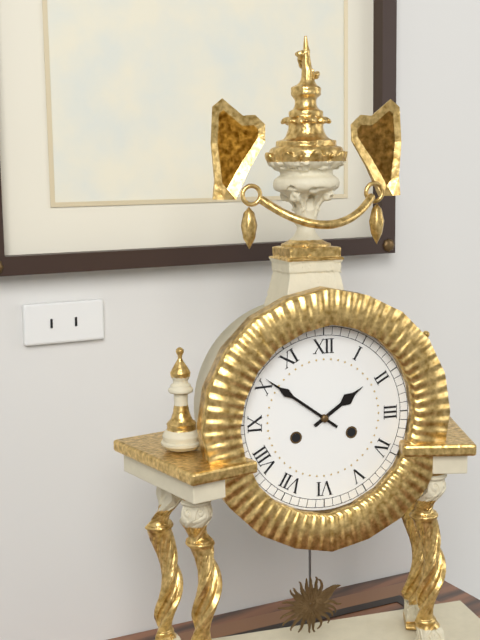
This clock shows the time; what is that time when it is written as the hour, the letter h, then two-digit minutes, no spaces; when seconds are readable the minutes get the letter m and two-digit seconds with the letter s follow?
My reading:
1h51
